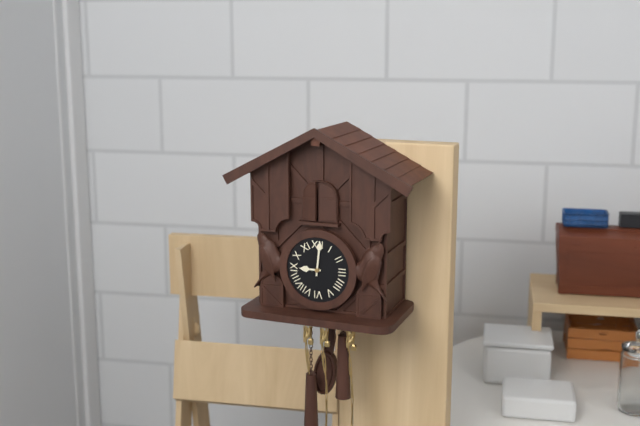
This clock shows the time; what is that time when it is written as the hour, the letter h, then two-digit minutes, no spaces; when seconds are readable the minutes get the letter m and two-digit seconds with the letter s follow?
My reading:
9h01
